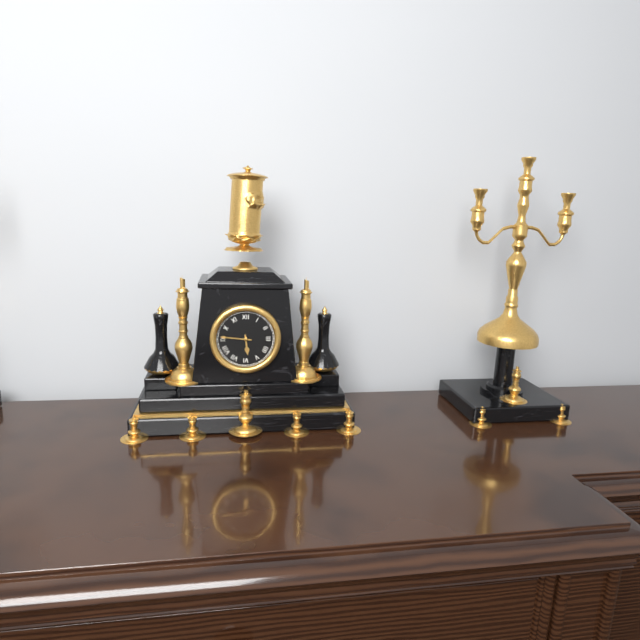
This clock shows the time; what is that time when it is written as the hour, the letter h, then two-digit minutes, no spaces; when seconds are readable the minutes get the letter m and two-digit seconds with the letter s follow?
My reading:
5h46
